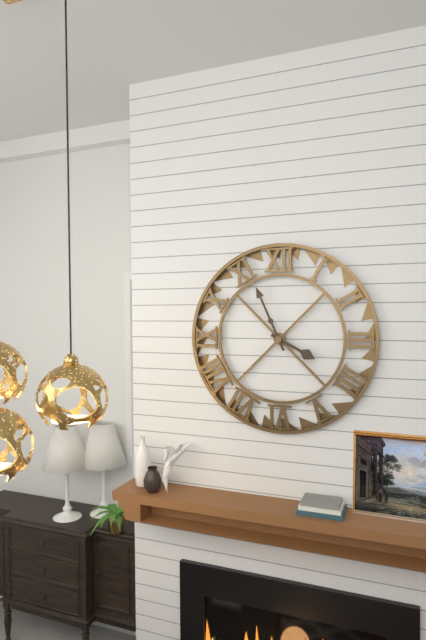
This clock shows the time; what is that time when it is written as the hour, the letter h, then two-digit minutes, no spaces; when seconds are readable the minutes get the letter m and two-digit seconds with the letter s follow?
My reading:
3h56
